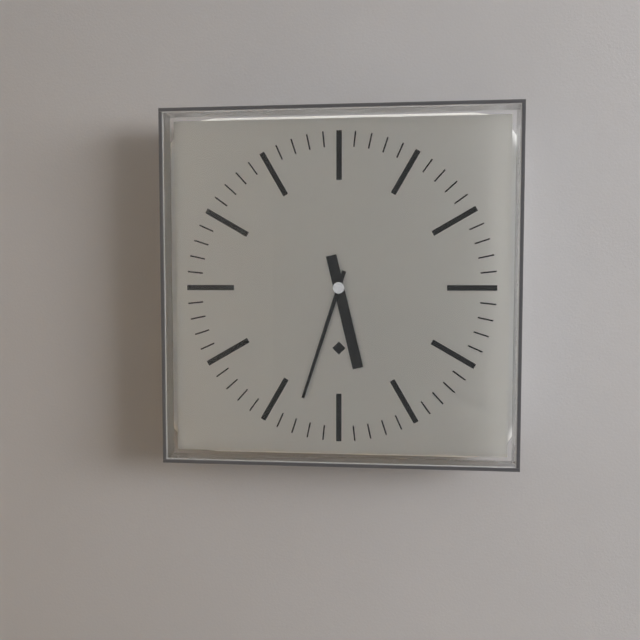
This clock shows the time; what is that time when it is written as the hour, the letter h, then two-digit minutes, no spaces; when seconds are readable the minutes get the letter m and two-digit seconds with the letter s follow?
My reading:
5h33
